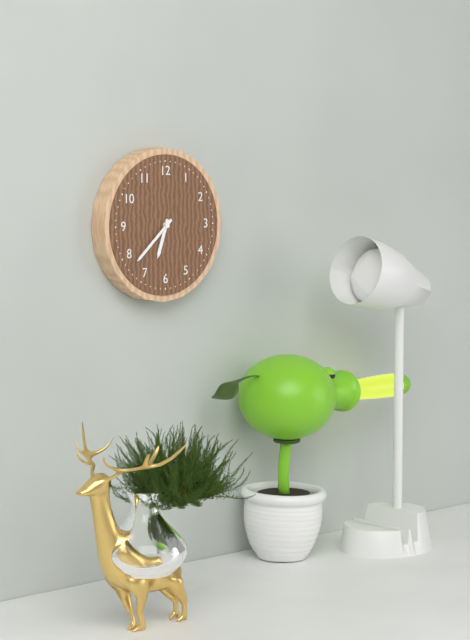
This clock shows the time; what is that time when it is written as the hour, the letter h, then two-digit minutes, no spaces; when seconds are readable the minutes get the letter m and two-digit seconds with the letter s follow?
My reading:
6h38
